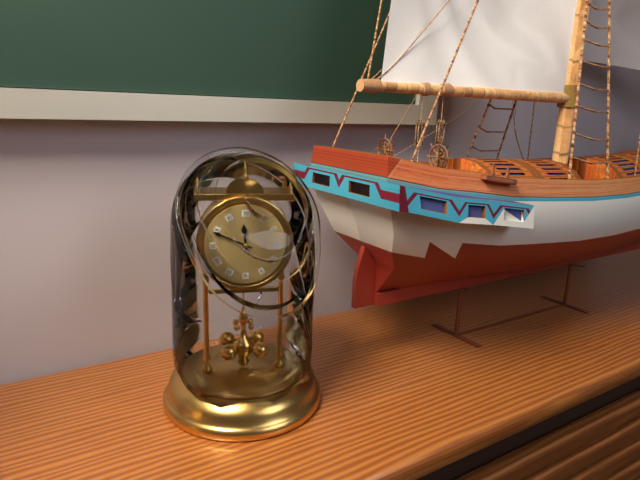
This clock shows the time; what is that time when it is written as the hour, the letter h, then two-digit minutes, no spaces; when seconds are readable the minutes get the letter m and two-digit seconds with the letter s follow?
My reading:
11h49
